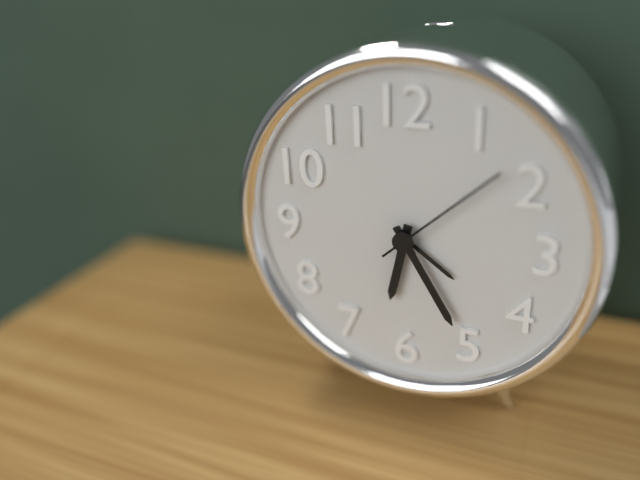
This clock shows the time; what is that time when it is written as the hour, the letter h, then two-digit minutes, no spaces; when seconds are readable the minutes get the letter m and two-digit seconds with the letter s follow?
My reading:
6h25m08s
